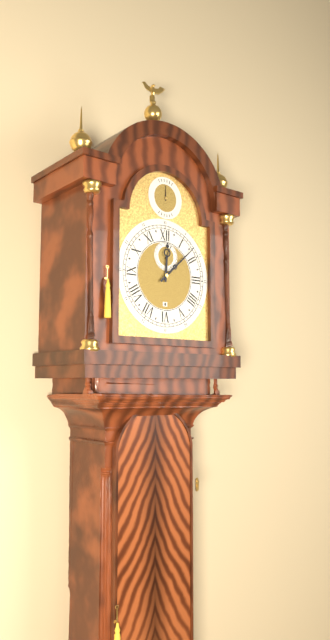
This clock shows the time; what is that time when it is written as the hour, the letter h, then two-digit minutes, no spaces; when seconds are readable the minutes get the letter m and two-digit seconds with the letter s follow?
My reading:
12h08
